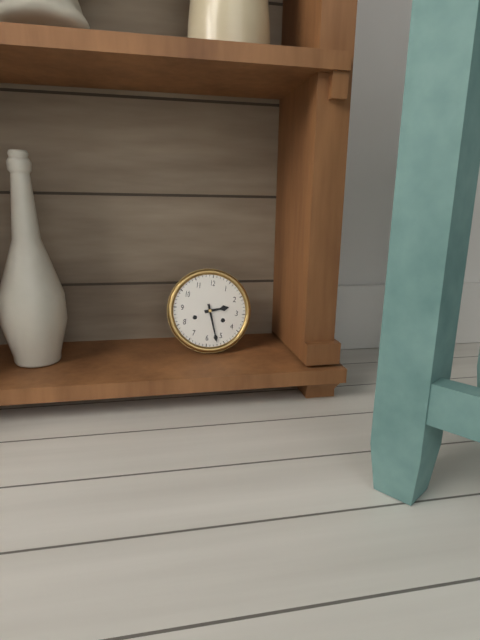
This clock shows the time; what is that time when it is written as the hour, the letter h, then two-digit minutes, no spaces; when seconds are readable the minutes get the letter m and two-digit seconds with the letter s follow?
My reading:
2h27
